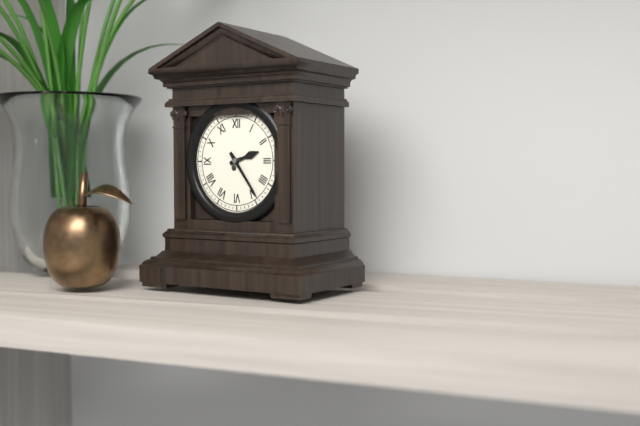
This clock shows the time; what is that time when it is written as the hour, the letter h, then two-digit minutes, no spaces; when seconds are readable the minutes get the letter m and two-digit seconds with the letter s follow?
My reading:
2h24
